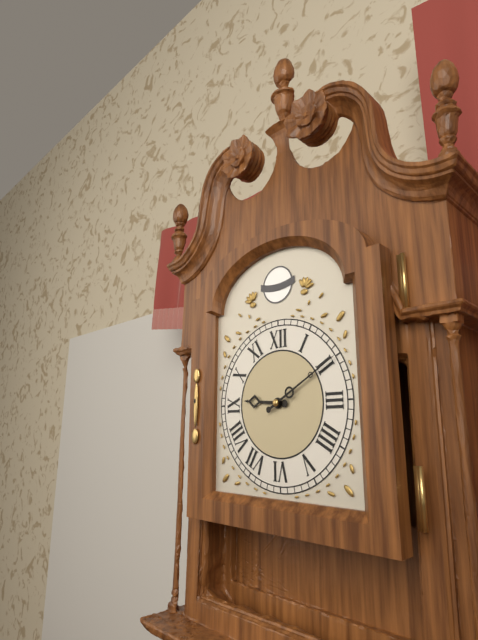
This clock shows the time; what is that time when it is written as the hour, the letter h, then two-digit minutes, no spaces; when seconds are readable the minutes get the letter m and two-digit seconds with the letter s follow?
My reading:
9h10
